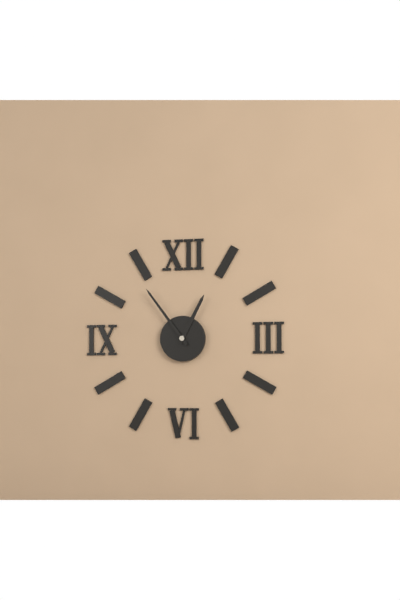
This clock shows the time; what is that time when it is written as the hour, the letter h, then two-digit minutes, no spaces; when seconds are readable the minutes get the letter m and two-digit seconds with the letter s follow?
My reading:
12h54
